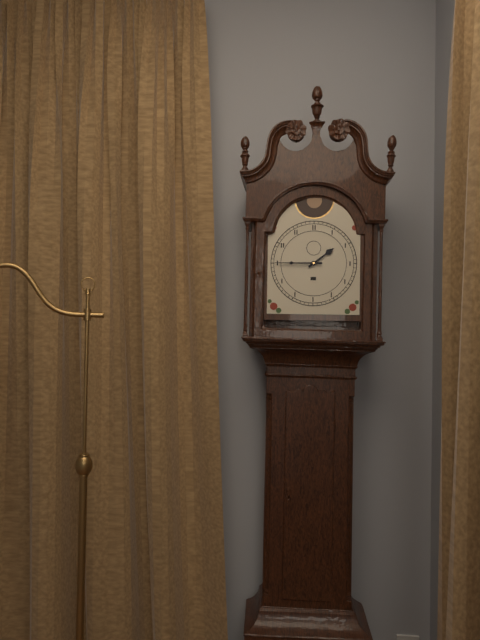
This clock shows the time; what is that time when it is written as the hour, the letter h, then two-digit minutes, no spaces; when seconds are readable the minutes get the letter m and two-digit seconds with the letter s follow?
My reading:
1h45
